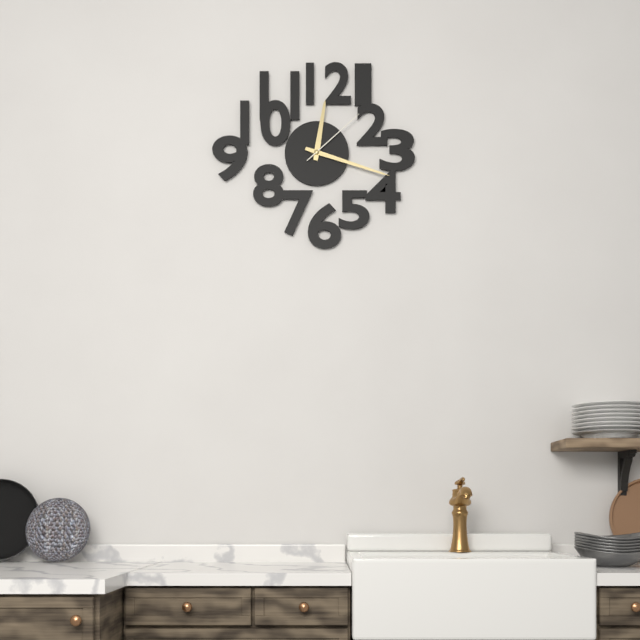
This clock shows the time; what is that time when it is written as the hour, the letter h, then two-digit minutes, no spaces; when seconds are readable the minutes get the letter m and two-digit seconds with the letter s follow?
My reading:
12h18m08s
